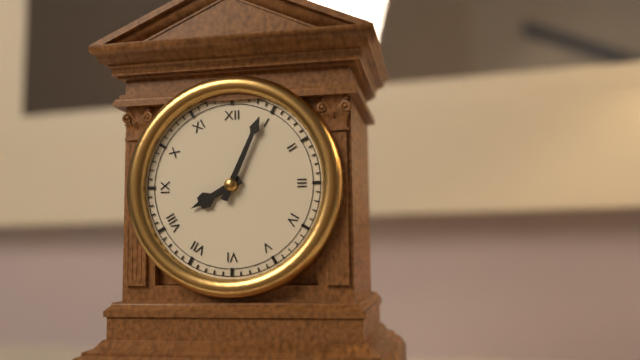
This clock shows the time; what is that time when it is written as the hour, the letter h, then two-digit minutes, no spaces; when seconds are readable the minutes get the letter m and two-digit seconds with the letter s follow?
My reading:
8h04
